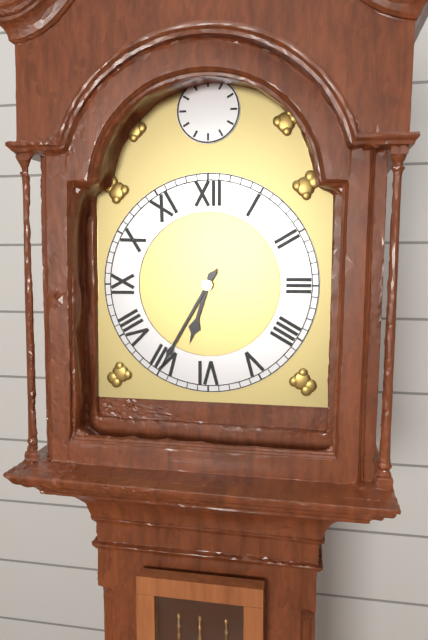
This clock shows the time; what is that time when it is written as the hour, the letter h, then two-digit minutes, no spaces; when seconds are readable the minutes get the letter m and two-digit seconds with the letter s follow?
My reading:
6h35
